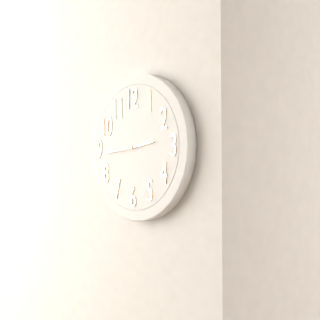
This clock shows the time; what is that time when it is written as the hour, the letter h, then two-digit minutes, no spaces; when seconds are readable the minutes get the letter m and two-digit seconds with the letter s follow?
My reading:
2h44
